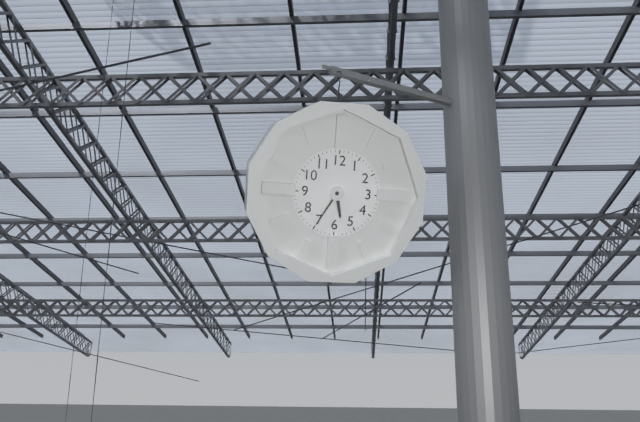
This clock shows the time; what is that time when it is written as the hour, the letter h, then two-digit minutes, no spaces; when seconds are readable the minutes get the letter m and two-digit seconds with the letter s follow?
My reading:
5h35
